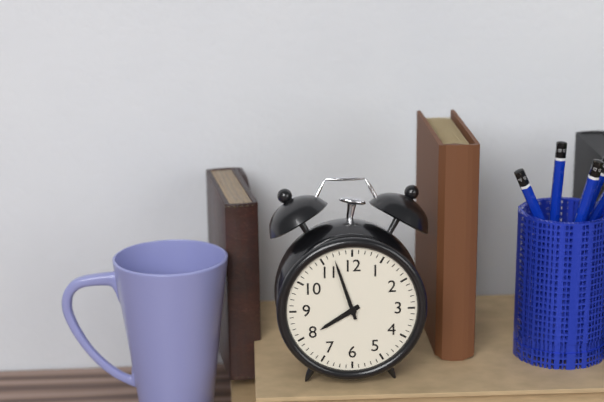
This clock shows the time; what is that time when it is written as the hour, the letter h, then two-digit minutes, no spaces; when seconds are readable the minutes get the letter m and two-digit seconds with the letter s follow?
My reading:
7h57
